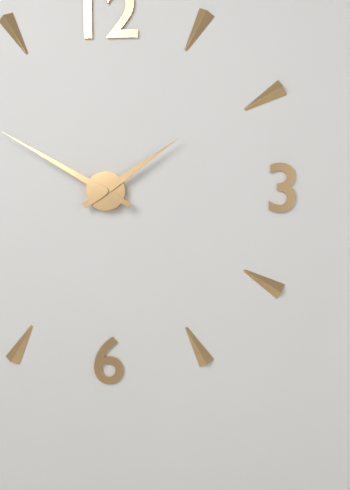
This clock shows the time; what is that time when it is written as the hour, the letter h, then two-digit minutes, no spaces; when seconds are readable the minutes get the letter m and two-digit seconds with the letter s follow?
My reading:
1h50
